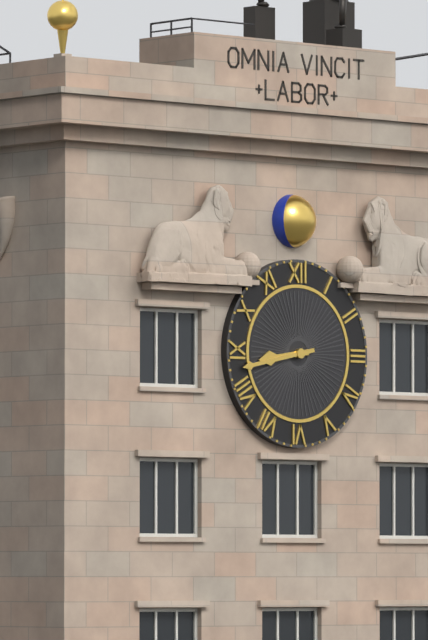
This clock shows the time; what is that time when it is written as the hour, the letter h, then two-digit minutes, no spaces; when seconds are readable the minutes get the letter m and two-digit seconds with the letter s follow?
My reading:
8h43
